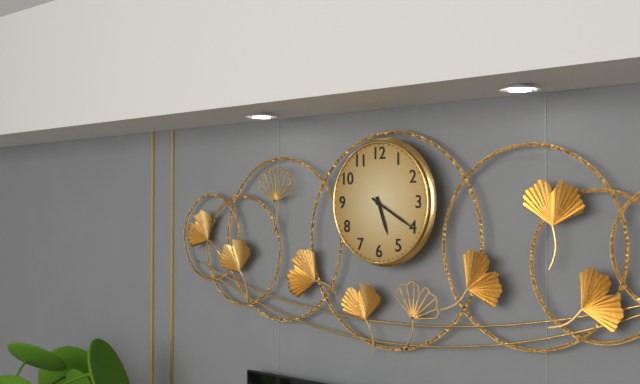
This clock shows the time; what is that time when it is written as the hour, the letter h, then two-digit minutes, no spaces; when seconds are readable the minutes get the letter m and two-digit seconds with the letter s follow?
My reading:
5h20
